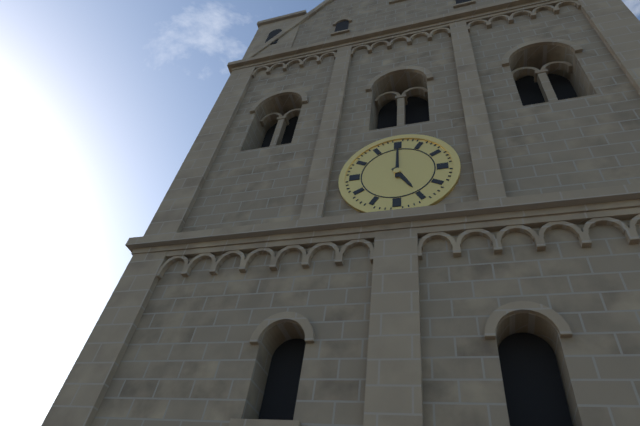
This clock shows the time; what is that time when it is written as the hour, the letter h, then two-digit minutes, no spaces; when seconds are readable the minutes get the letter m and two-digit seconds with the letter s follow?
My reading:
5h00
